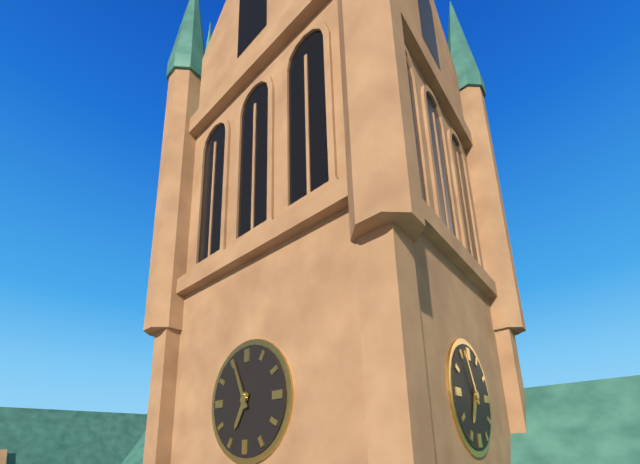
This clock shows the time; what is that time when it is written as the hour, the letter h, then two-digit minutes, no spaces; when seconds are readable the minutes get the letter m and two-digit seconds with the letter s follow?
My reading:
6h56
